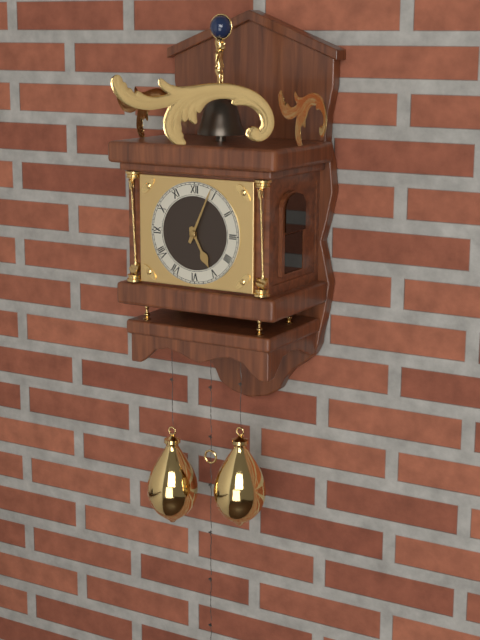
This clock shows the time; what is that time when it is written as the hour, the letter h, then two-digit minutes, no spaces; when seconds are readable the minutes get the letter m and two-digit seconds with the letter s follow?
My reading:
5h04
